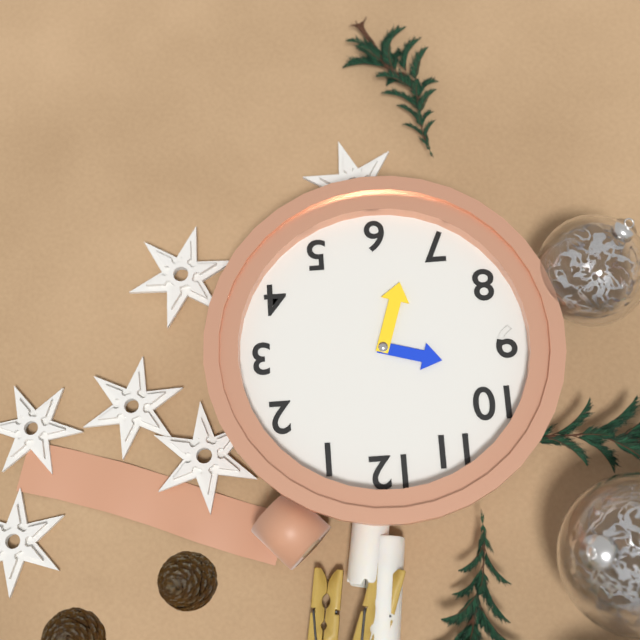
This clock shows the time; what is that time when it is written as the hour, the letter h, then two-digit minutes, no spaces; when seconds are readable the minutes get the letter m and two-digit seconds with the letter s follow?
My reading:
9h33
